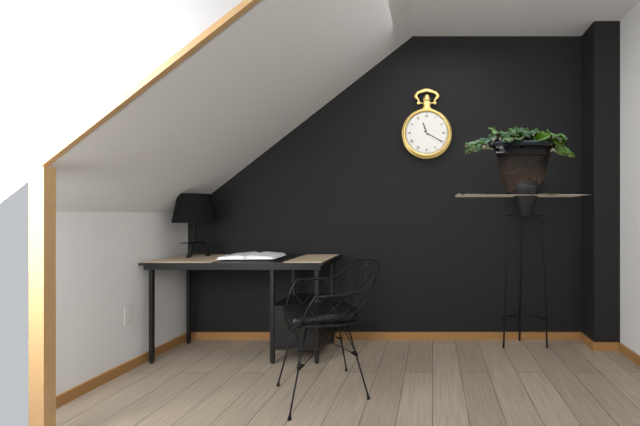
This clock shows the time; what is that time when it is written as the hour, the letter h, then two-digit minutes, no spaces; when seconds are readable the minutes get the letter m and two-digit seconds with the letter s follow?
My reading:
11h20
